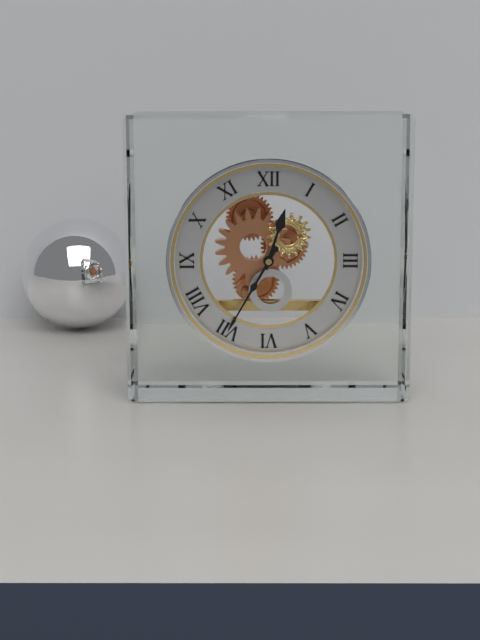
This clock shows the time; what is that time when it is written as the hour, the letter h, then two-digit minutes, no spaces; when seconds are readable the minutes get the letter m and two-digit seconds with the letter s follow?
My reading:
12h35
